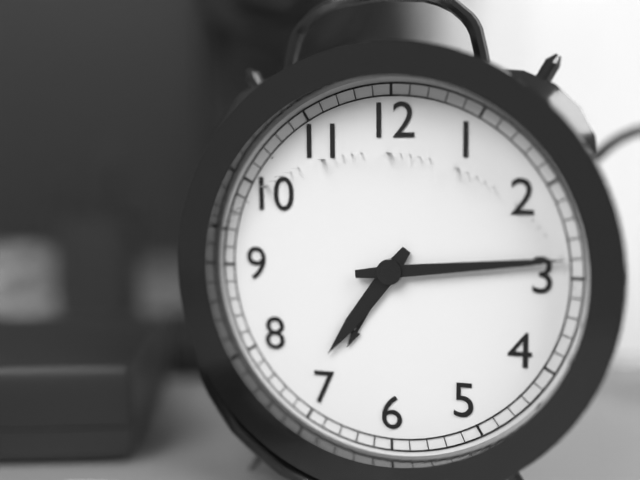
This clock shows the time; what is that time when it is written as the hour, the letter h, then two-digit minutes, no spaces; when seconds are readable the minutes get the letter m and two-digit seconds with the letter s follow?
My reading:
7h14
